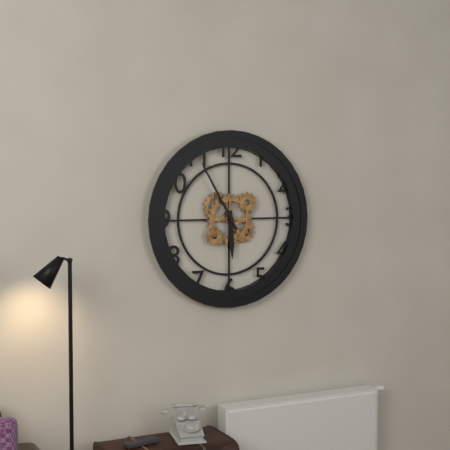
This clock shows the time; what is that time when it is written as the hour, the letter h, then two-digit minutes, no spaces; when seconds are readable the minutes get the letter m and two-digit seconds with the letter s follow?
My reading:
5h55
